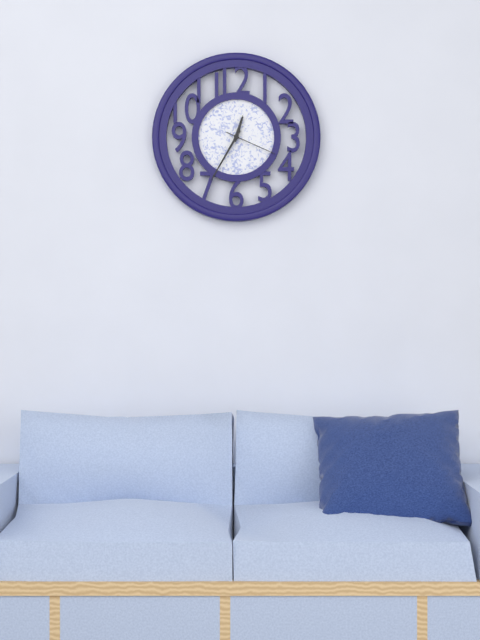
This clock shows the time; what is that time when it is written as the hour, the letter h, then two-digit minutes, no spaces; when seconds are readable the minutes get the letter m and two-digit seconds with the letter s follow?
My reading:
12h35m19s
